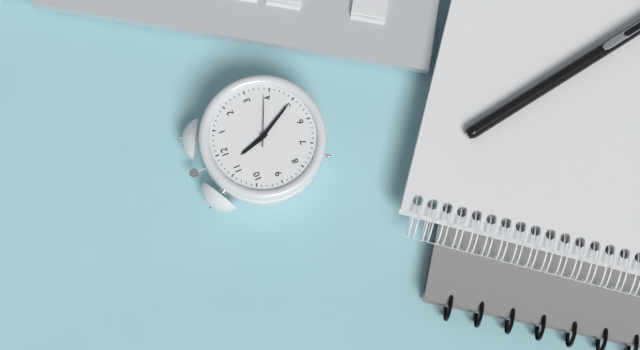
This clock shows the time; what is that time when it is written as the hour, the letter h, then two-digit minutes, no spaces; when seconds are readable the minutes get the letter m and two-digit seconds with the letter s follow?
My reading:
11h25m19s
